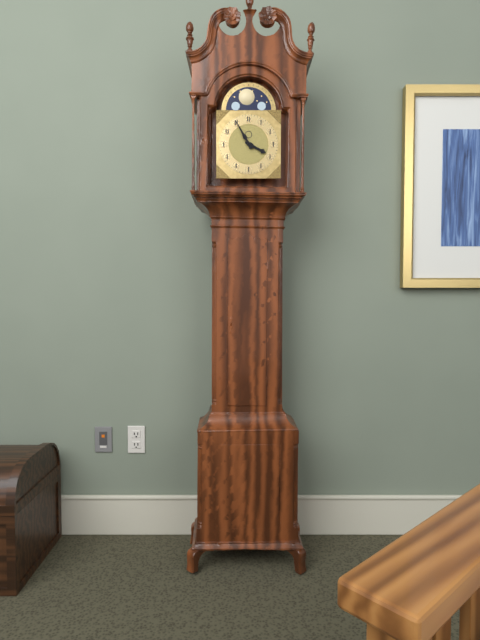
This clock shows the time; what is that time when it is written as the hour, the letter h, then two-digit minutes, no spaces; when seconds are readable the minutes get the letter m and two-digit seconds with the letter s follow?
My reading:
3h55
